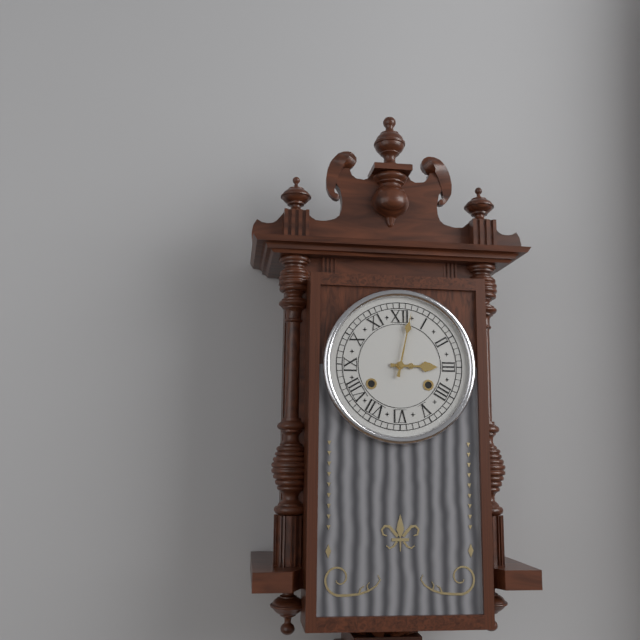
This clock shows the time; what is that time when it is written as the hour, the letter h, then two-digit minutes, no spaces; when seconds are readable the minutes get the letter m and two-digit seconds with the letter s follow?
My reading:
3h02
